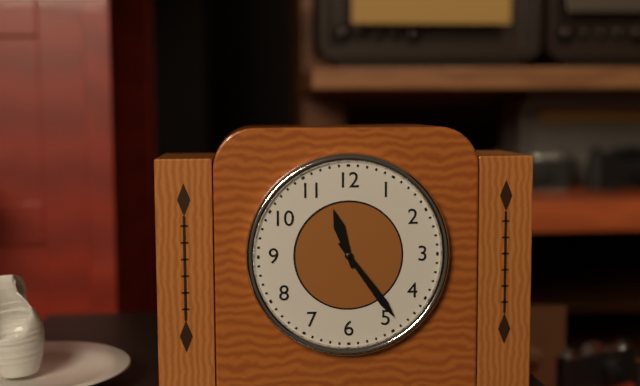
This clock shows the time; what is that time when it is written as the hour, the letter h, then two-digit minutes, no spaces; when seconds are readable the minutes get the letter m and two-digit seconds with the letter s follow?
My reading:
11h24
